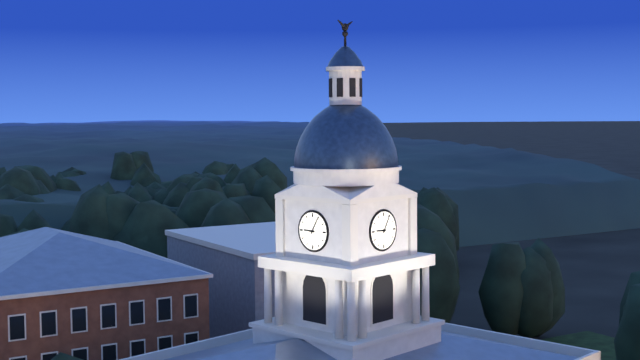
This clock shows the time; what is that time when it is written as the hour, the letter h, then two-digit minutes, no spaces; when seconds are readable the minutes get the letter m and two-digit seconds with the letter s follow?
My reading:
9h05
